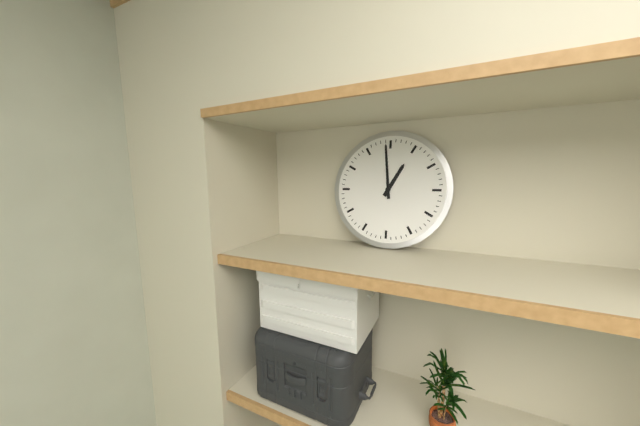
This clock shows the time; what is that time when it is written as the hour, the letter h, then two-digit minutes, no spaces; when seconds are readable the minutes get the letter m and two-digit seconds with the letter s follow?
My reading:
12h59
